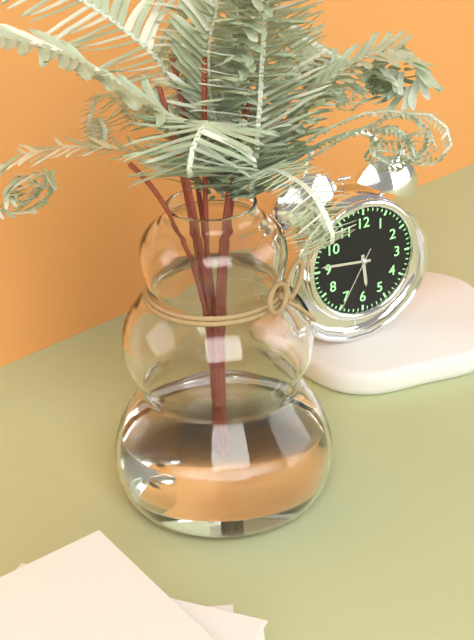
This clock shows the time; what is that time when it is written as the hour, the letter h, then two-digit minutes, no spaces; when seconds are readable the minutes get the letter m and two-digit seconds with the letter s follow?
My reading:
5h46m35s
